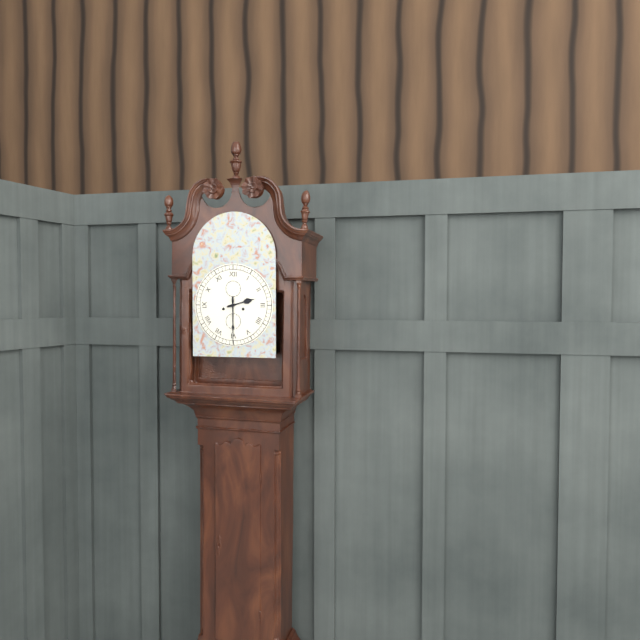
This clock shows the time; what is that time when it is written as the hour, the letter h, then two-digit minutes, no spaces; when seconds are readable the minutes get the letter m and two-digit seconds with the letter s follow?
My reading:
2h30
